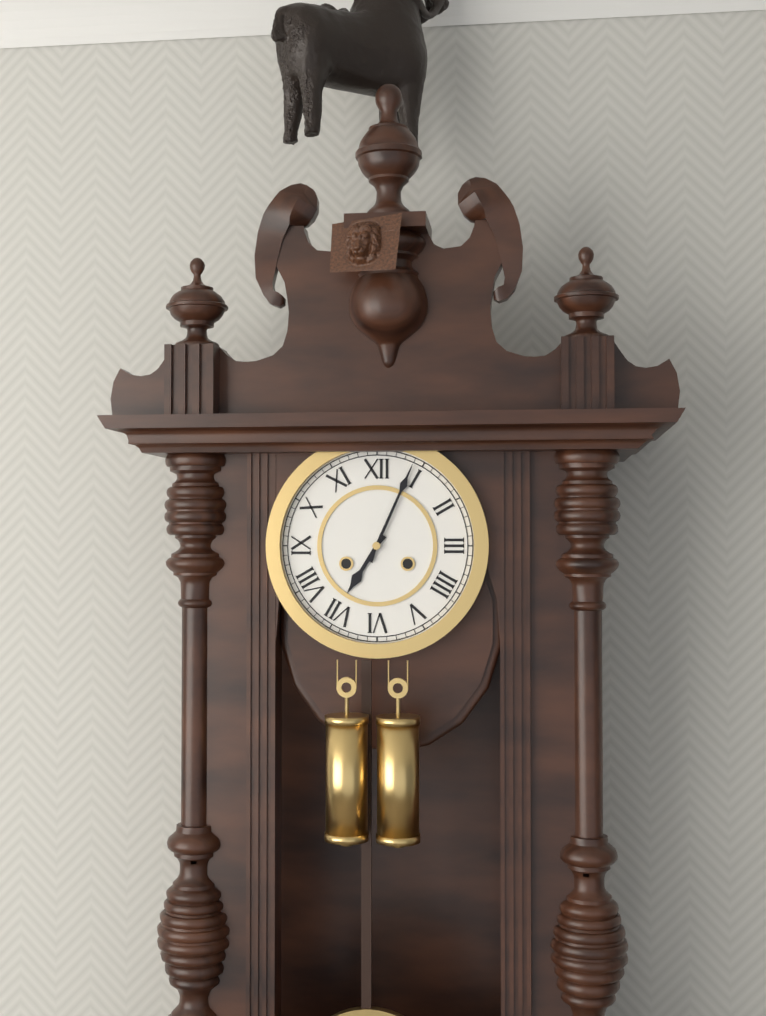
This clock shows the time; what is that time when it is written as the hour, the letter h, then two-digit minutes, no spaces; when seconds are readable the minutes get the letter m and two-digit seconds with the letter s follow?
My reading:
7h04
